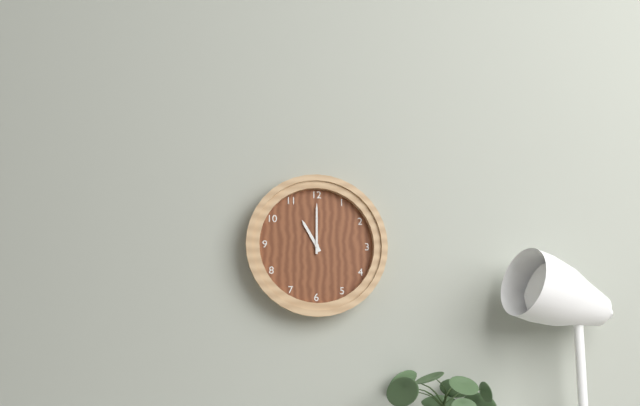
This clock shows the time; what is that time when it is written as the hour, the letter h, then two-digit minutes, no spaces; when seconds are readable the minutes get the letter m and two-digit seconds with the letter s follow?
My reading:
11h00
